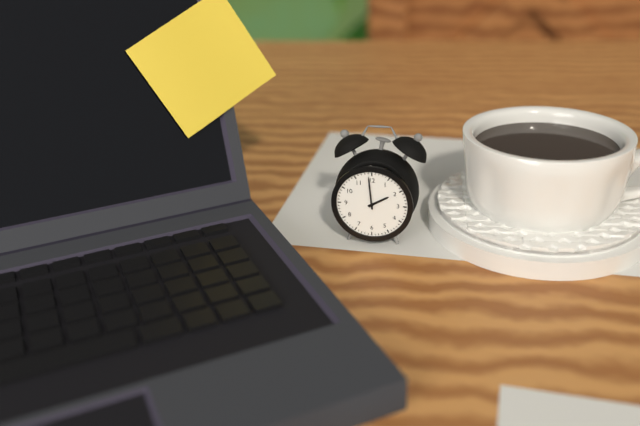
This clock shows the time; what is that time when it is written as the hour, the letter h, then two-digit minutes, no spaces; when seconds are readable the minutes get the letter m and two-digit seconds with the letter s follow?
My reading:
1h59
